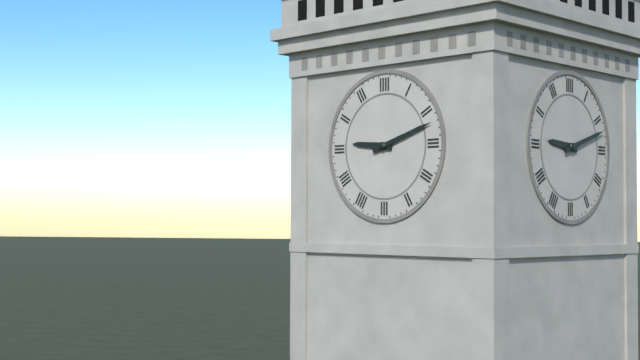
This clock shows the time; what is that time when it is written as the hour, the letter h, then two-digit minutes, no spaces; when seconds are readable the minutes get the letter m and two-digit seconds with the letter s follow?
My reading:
9h12
